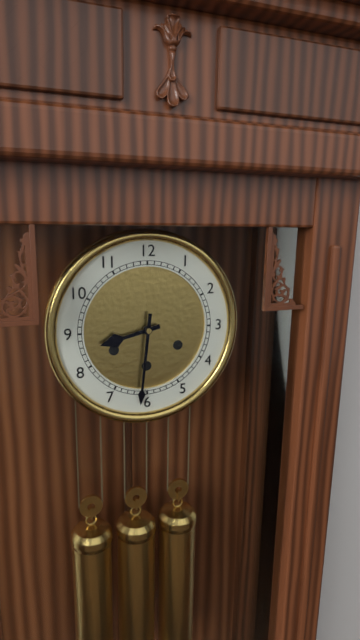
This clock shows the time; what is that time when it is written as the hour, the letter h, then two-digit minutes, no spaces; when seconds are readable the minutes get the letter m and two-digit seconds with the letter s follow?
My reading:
8h31
